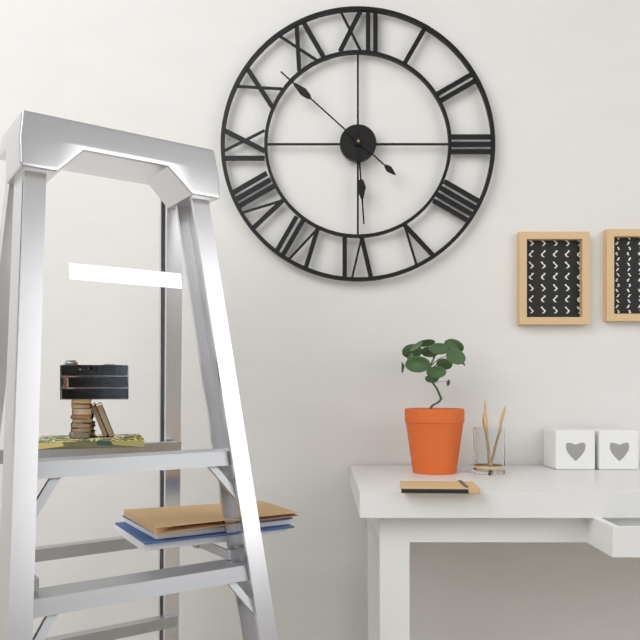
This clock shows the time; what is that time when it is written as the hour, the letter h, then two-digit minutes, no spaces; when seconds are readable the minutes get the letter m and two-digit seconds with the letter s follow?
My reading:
5h52
